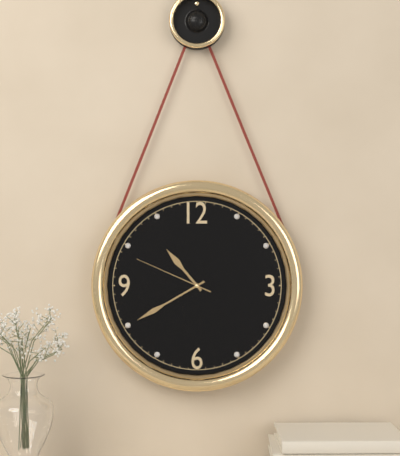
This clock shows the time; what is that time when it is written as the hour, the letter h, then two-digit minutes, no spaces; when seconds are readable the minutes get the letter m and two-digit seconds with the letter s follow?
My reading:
10h40m49s
